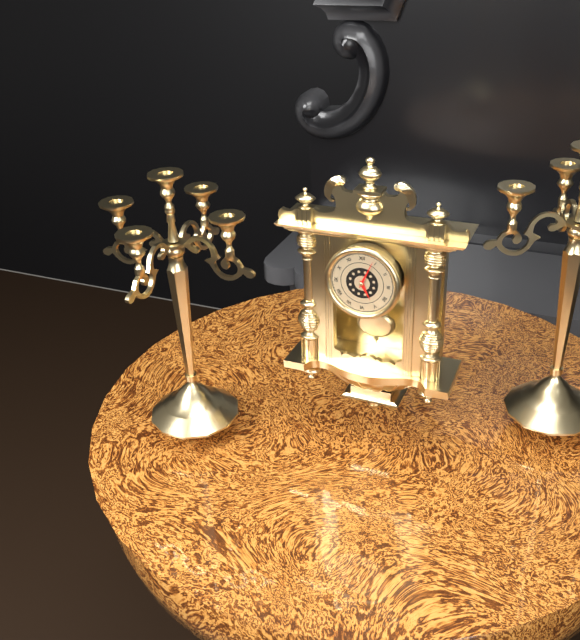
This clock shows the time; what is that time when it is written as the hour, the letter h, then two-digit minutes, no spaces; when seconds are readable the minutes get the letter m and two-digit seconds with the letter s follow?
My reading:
5h04
